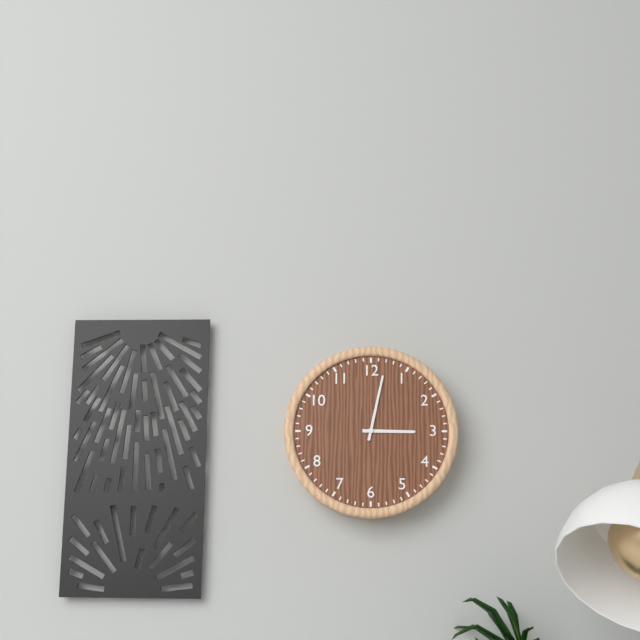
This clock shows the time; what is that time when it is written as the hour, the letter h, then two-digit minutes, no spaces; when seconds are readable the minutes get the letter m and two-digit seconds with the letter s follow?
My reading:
3h02
